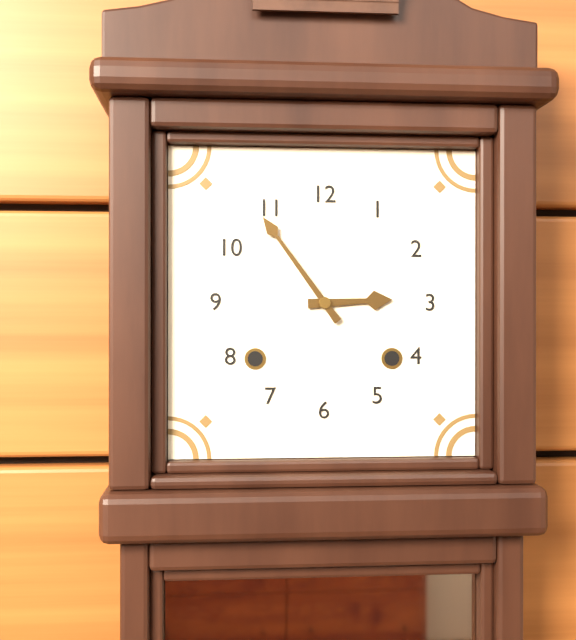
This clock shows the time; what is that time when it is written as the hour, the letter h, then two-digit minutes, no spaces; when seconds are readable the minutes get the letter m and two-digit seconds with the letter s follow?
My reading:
2h54
